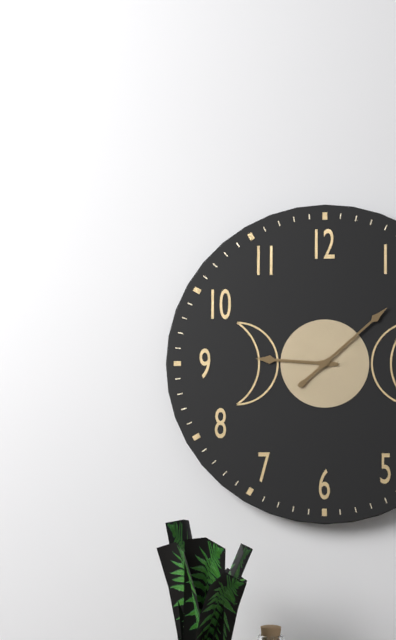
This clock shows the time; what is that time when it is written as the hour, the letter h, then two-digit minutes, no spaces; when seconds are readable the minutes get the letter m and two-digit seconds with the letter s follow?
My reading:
9h08
